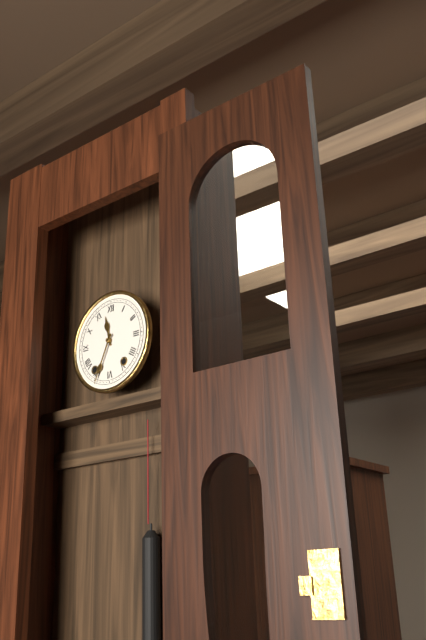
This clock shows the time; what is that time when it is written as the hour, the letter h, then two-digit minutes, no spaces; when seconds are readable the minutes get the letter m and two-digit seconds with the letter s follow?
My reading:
11h34
